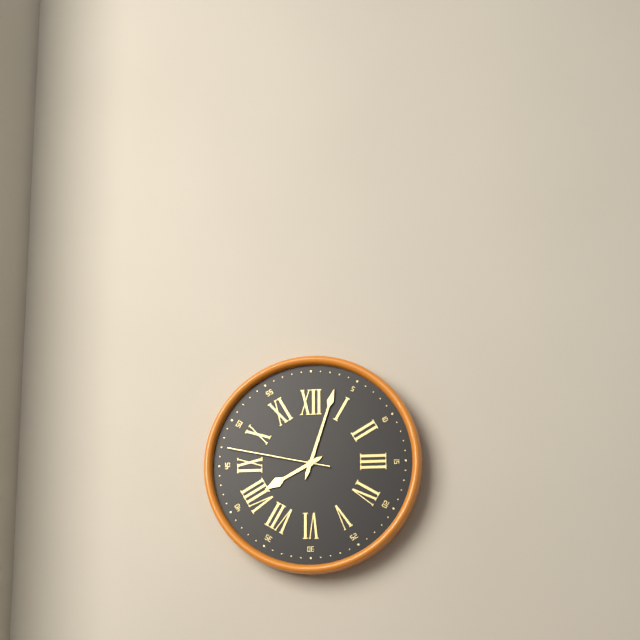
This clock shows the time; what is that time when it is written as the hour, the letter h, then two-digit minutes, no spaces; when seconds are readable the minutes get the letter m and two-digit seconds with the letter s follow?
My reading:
8h03m47s
